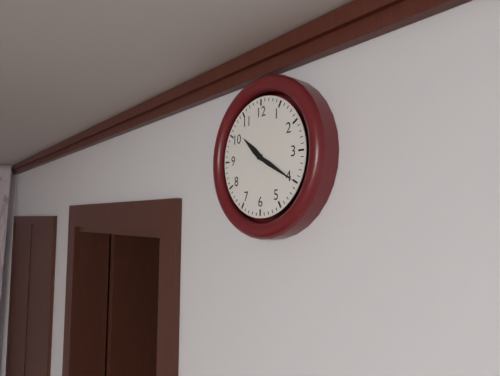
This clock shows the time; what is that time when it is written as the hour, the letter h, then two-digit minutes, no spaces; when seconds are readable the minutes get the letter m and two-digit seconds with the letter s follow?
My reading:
10h20
